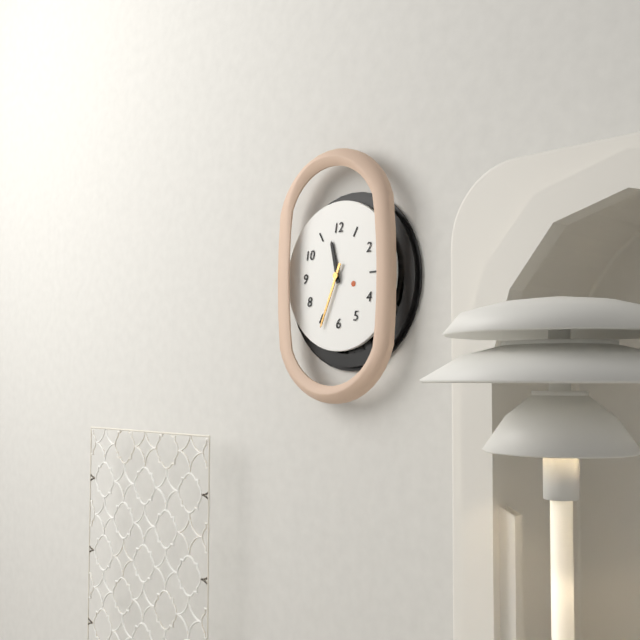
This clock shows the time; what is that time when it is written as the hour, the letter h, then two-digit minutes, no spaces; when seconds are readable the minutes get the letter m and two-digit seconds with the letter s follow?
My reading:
11h34
